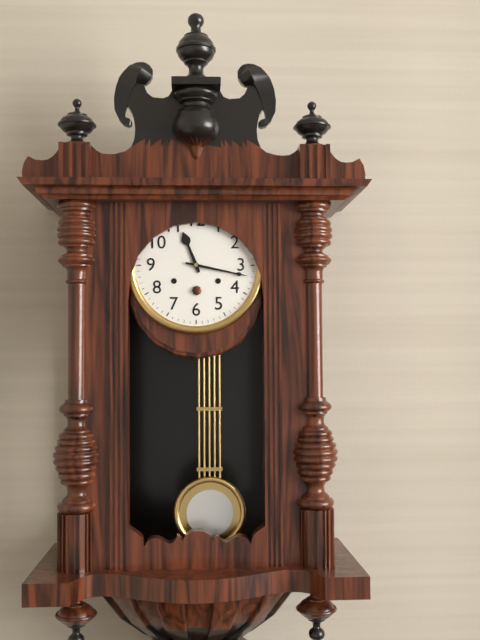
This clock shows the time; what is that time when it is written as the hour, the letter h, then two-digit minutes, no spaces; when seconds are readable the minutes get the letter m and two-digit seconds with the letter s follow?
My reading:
11h17
